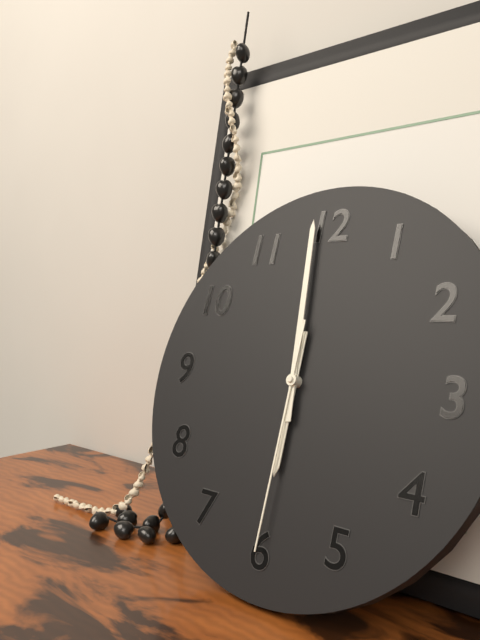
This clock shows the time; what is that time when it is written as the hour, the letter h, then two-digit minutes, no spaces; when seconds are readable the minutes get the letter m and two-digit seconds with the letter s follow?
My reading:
5h59m30s
